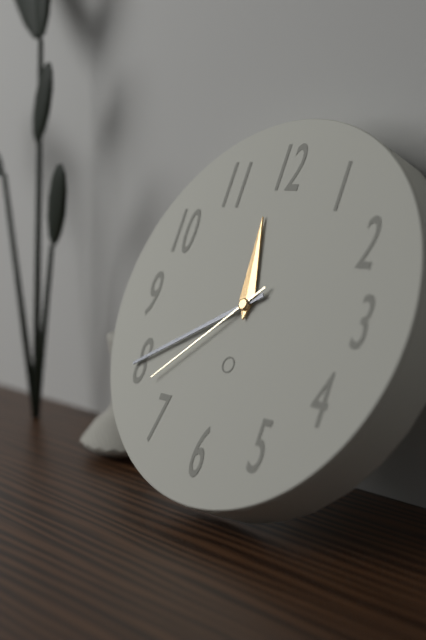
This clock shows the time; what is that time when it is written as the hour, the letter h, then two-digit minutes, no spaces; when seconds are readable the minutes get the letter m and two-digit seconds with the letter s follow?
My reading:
11h40m38s
